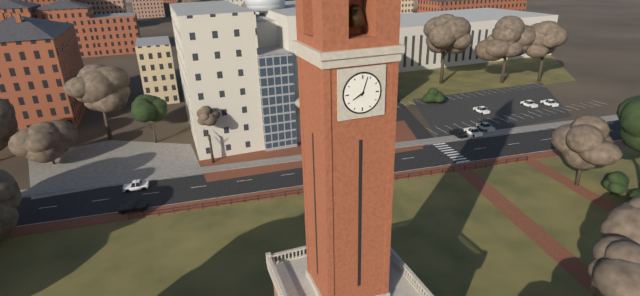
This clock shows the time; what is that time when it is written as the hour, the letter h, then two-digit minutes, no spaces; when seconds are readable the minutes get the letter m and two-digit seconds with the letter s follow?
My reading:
8h03
